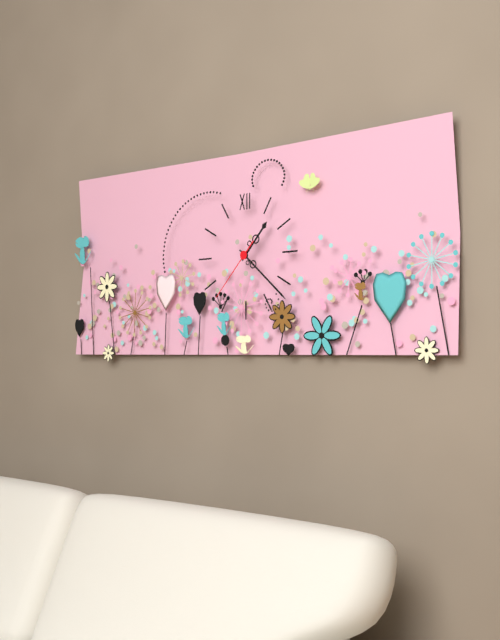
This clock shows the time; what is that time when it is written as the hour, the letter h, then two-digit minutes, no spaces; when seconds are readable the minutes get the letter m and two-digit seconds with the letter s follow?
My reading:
1h22m37s
